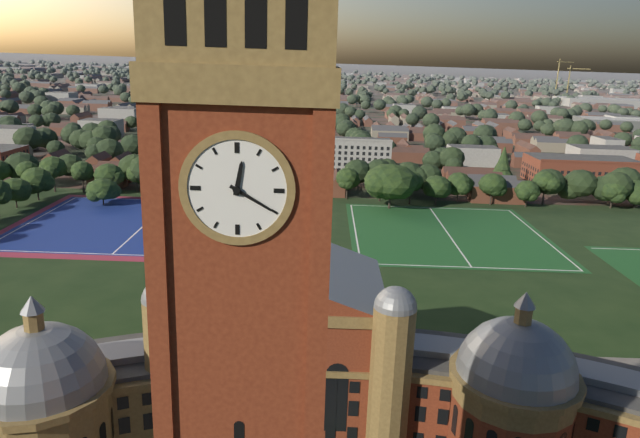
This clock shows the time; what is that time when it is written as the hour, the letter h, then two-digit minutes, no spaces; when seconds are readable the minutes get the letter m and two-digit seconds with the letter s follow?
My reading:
12h20
